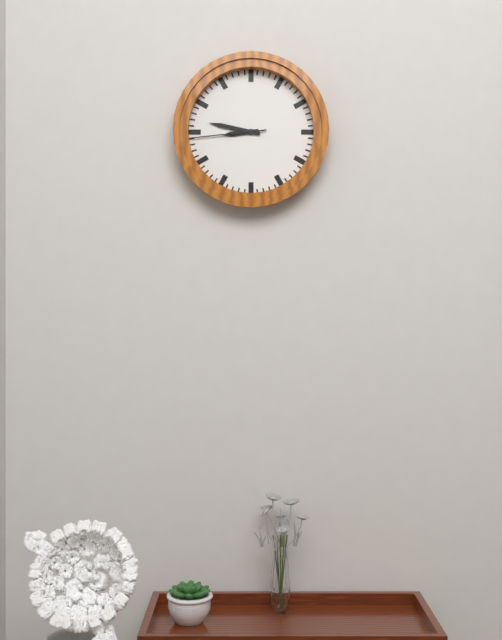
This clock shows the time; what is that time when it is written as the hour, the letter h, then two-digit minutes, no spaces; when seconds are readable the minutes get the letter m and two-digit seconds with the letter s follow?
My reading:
8h47m44s
